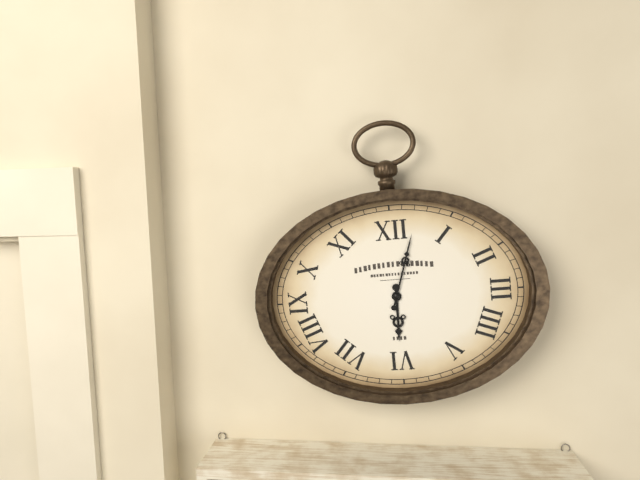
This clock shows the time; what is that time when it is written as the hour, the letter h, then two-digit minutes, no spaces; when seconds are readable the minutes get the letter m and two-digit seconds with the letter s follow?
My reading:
6h03
